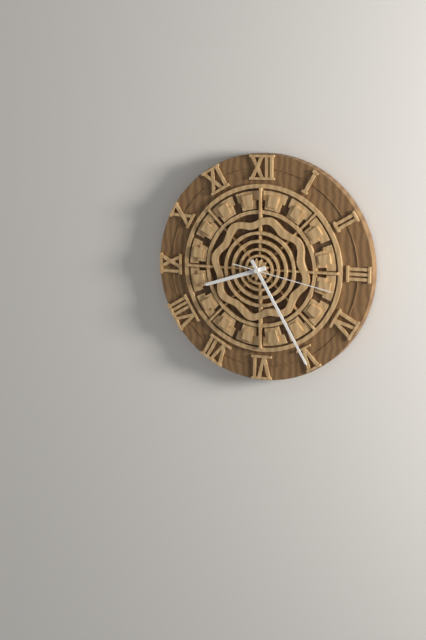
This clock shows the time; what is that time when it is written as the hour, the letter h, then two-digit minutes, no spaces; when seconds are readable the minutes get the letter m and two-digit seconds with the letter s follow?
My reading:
8h25m17s
